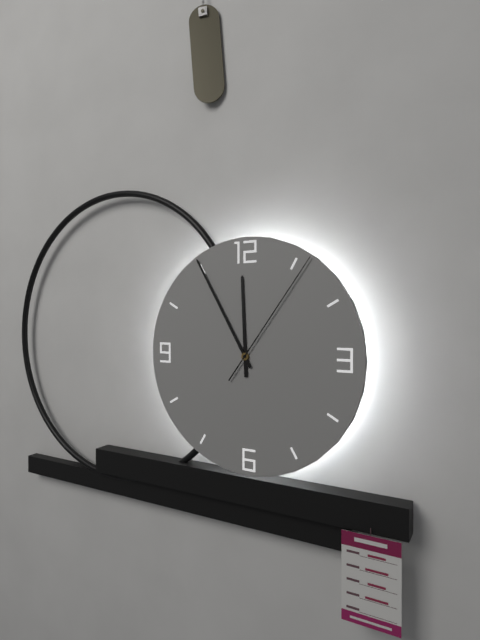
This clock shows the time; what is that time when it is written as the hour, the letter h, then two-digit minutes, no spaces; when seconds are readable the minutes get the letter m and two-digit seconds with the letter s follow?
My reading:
11h55m06s
